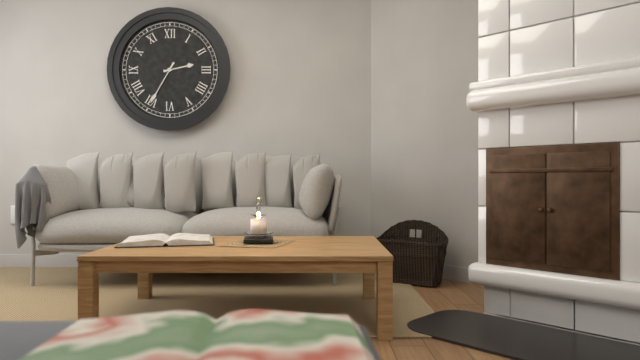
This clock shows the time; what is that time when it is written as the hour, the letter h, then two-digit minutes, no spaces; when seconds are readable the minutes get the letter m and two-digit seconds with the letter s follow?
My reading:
2h35
